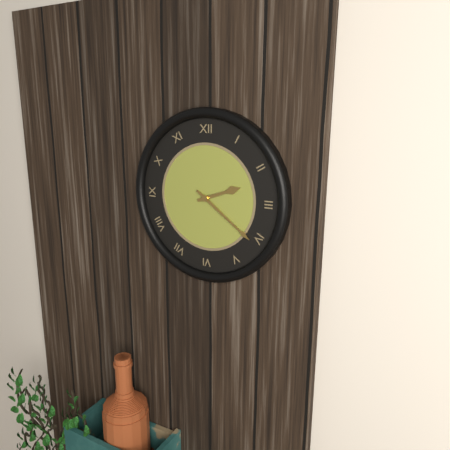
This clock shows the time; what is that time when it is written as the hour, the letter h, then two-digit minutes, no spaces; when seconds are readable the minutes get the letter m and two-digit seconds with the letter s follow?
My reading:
2h21
